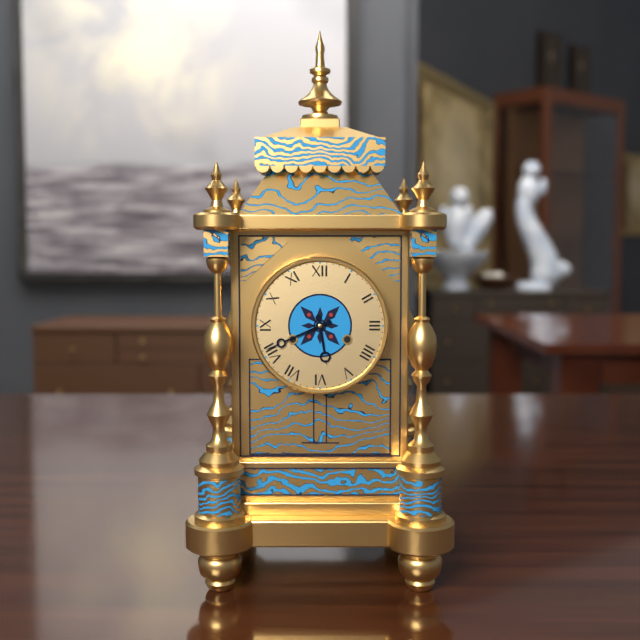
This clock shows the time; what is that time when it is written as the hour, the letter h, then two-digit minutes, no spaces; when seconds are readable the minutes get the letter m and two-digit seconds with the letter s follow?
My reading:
5h41
